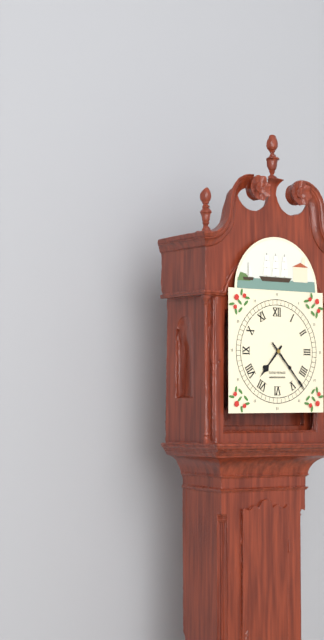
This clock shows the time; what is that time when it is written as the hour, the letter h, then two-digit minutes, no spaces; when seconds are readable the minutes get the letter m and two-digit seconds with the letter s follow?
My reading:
7h23
